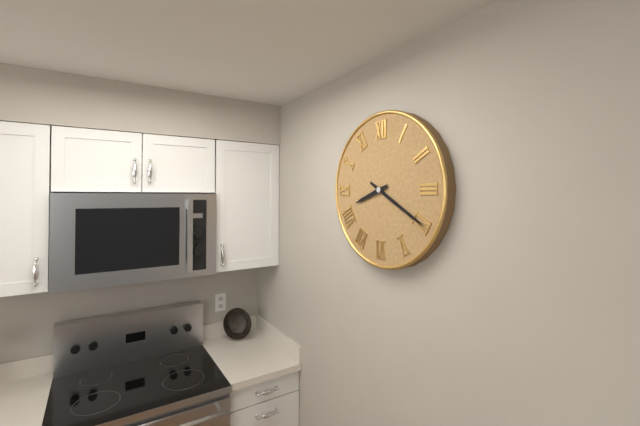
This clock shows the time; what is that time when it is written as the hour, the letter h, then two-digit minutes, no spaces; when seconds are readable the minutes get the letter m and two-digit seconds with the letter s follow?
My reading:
8h20
